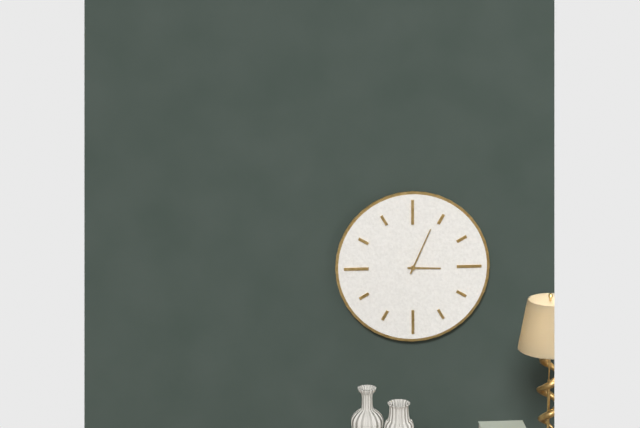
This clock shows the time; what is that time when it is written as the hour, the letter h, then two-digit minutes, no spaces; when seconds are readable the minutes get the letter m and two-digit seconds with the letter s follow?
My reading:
3h04
